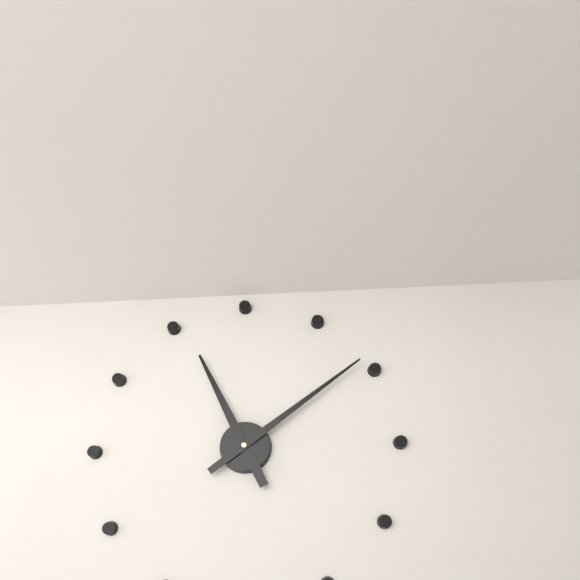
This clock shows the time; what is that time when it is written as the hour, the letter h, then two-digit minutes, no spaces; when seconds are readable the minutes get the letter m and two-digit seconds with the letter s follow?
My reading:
11h09
